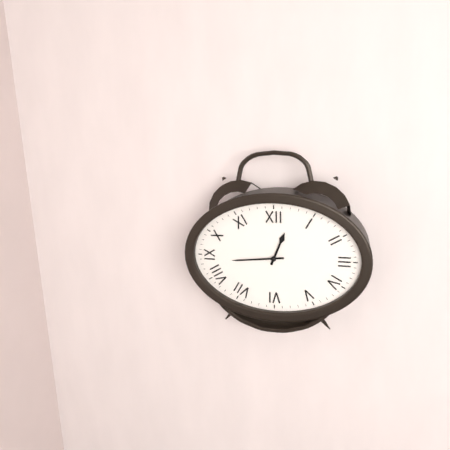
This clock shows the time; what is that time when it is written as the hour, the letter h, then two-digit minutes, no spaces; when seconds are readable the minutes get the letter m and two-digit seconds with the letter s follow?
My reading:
12h44
